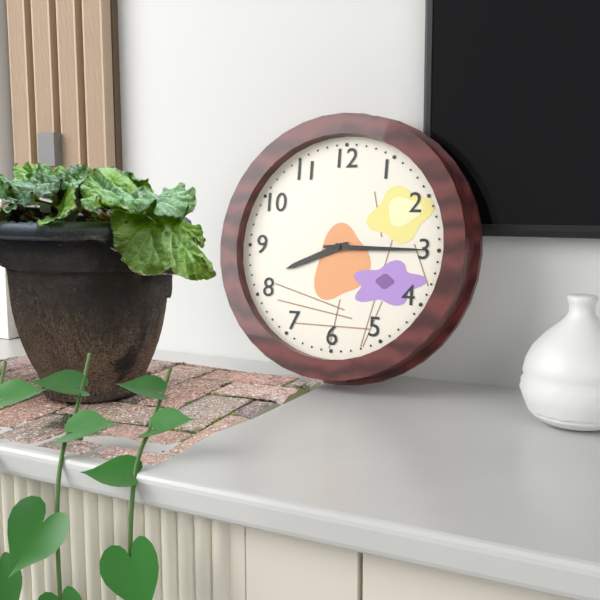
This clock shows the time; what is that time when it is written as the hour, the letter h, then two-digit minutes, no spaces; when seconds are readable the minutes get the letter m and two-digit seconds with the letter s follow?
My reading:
8h15
